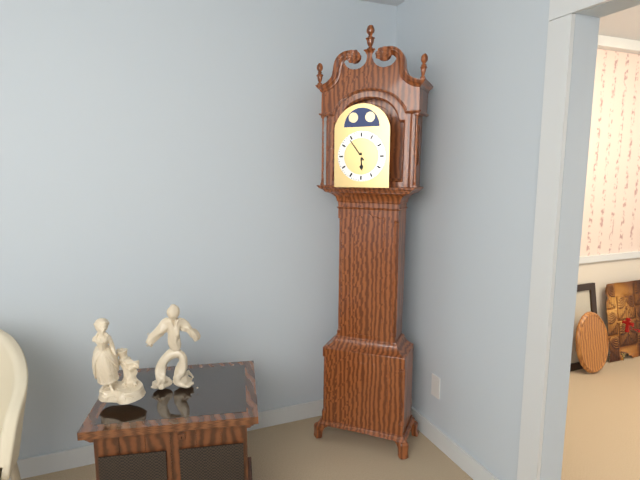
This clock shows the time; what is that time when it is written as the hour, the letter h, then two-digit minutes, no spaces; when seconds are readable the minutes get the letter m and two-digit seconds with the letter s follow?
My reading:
5h54
